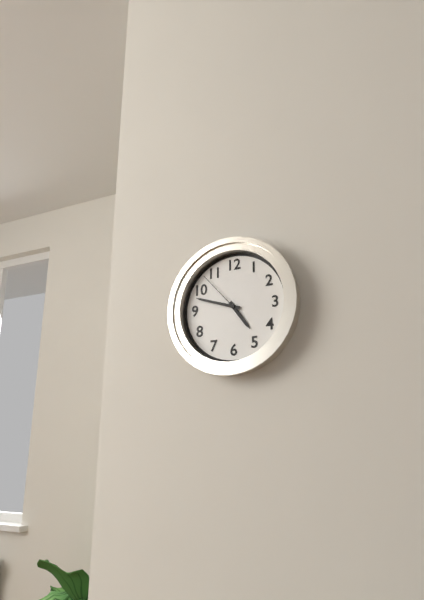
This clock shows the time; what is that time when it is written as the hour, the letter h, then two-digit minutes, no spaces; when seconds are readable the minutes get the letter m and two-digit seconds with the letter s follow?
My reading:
4h48m53s
